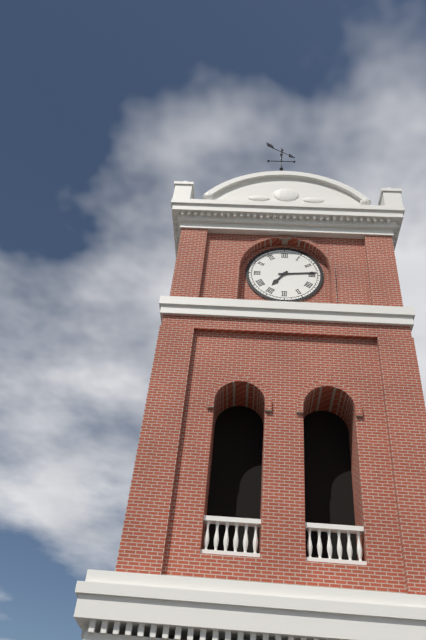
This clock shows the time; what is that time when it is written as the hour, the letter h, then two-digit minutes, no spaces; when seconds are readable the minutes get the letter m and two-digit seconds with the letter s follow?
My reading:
7h14
